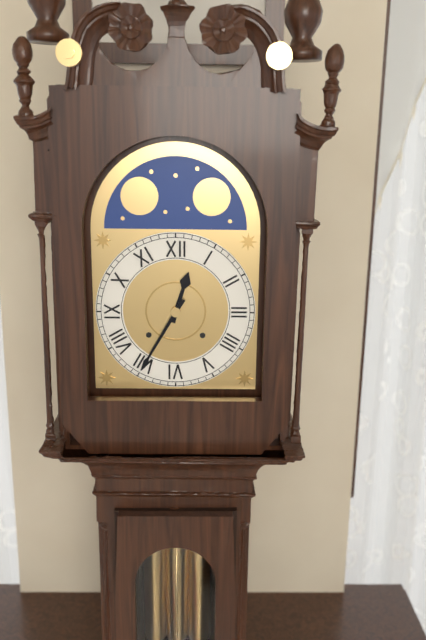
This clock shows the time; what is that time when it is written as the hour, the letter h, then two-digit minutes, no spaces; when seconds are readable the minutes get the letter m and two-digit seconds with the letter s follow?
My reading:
12h35
